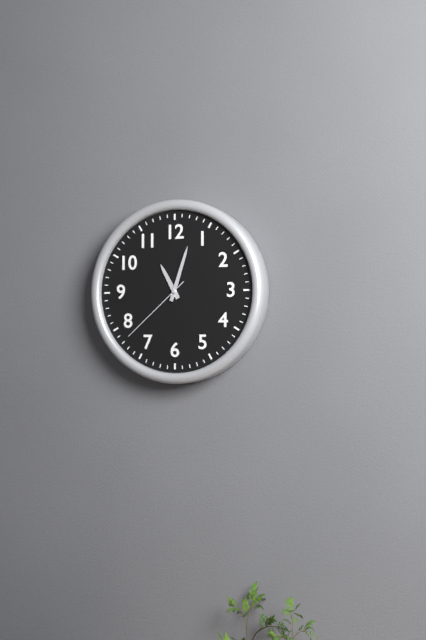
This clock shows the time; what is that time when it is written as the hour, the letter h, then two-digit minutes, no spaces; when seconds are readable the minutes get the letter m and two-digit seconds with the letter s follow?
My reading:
11h03m38s
